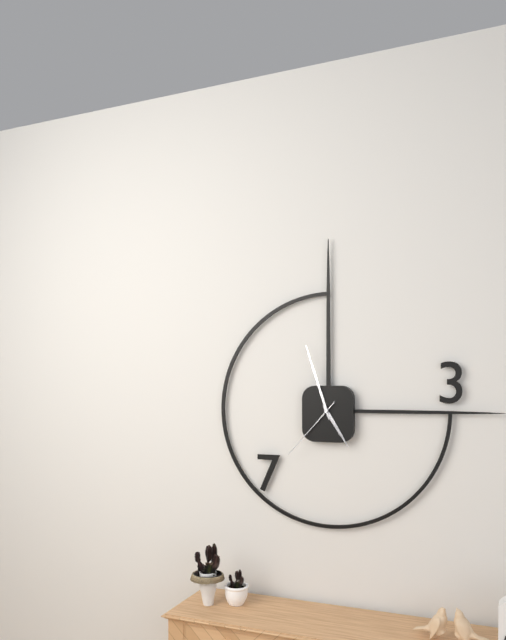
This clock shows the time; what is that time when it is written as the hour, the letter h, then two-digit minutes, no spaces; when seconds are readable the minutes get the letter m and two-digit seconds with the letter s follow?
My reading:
4h57m37s
